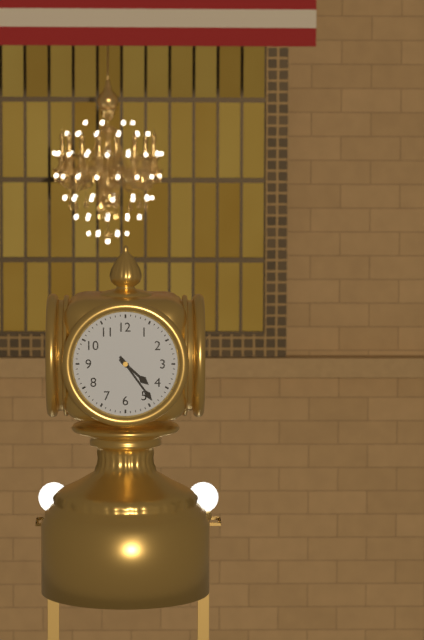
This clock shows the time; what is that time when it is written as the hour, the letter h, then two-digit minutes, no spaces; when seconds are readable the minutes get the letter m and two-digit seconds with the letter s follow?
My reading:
4h24
